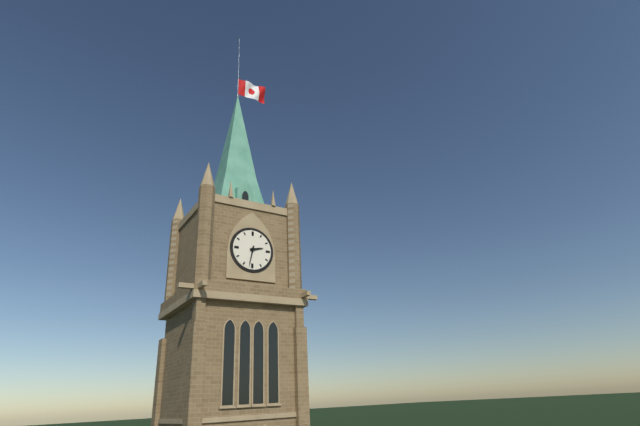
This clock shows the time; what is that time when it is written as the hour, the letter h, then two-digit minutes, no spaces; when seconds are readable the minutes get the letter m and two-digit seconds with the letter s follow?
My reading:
2h32
